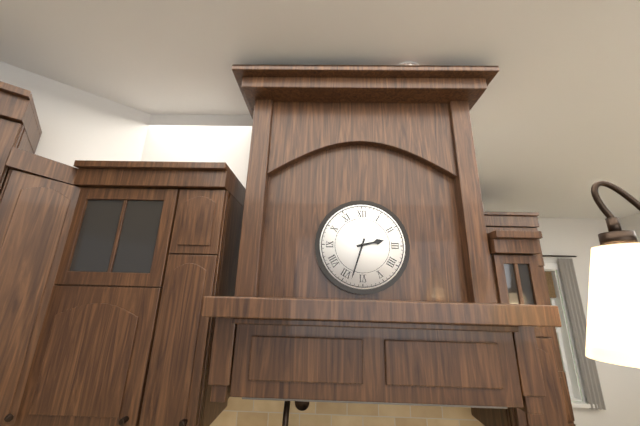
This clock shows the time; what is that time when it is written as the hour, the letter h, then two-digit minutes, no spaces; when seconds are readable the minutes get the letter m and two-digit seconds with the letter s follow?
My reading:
2h33
